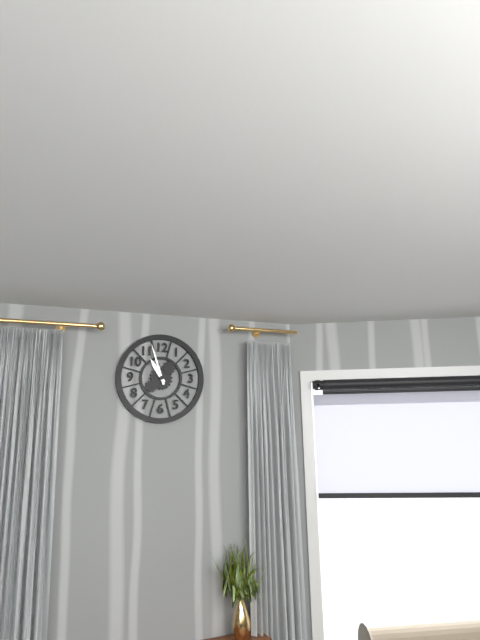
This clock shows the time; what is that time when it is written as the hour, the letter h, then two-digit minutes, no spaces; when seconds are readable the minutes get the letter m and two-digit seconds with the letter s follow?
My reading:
10h57
